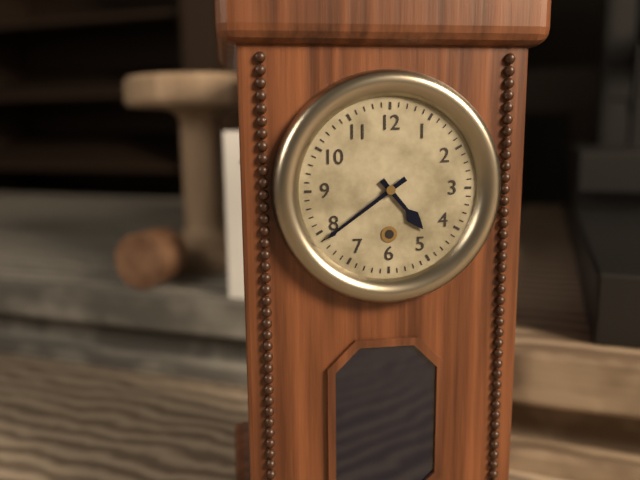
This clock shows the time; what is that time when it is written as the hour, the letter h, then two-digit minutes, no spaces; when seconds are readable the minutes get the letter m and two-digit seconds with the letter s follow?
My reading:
4h39
